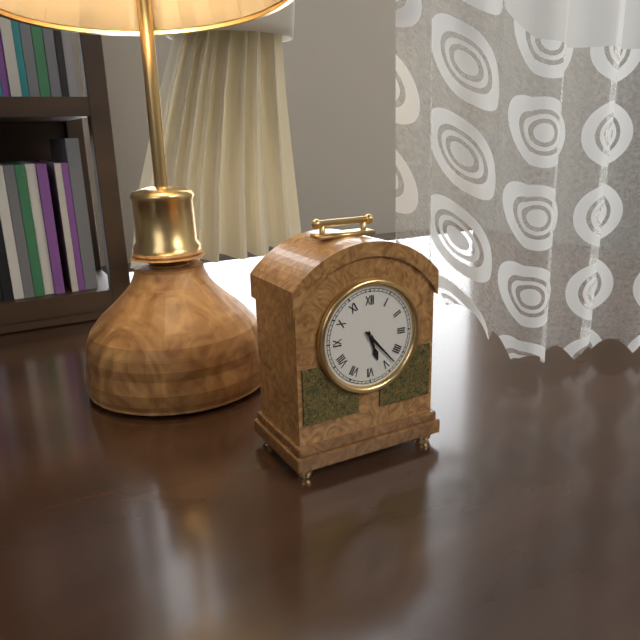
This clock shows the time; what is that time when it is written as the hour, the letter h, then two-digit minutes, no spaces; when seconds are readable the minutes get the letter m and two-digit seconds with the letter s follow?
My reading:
5h23
